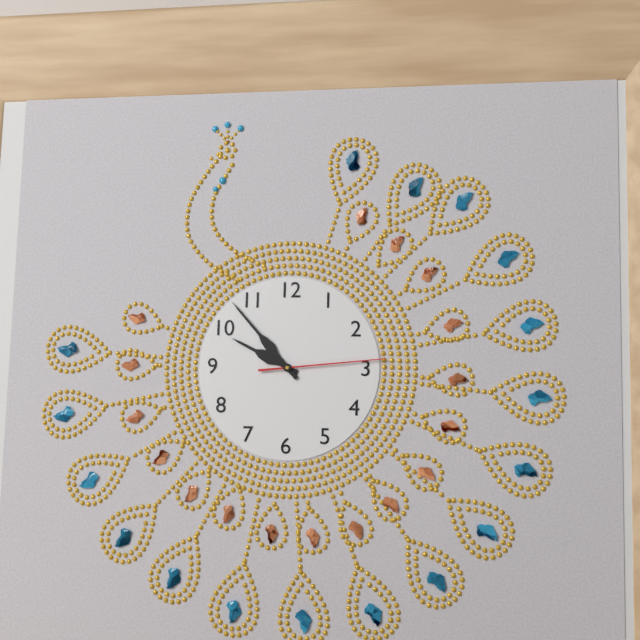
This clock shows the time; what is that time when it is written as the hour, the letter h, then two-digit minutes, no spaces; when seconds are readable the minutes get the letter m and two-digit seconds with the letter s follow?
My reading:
9h53m14s
